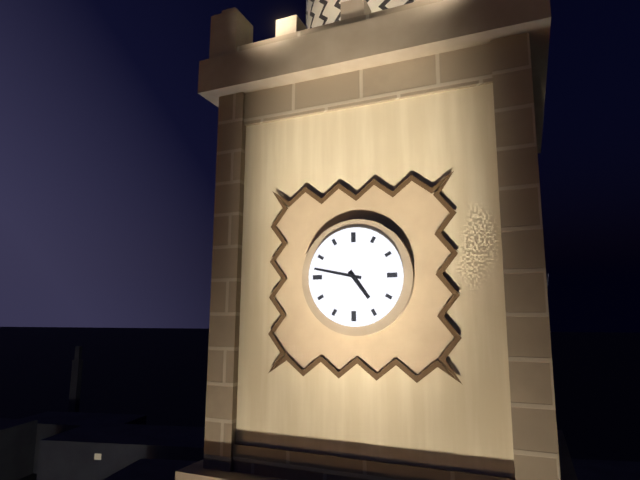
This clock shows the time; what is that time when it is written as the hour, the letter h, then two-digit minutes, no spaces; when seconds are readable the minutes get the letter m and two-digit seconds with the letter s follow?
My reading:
4h47
